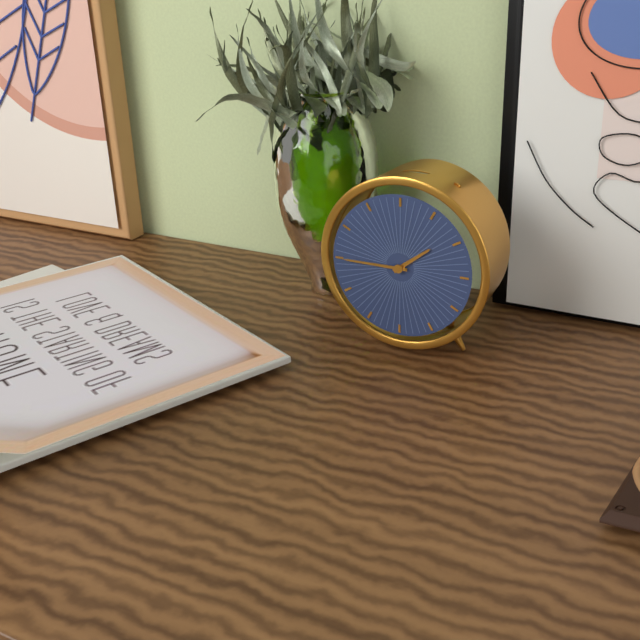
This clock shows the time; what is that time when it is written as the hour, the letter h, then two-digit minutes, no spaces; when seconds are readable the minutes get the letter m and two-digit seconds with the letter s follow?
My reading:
1h45
